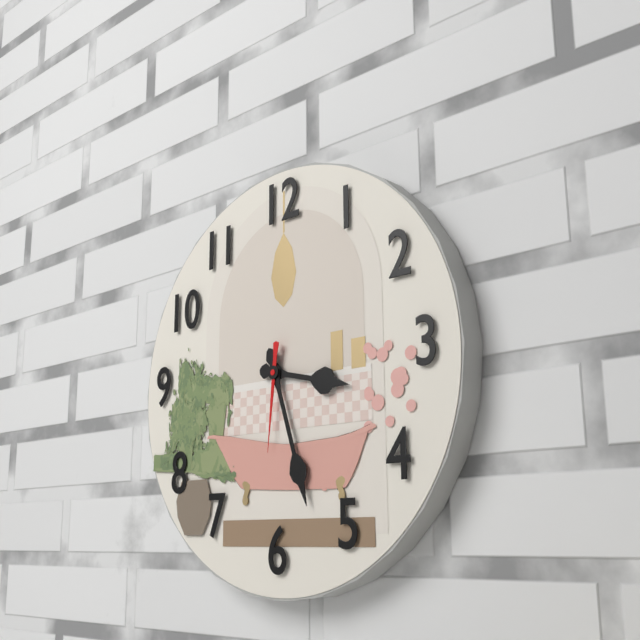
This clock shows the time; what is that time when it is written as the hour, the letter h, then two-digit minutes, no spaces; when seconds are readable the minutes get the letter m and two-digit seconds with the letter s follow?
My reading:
3h27m31s
